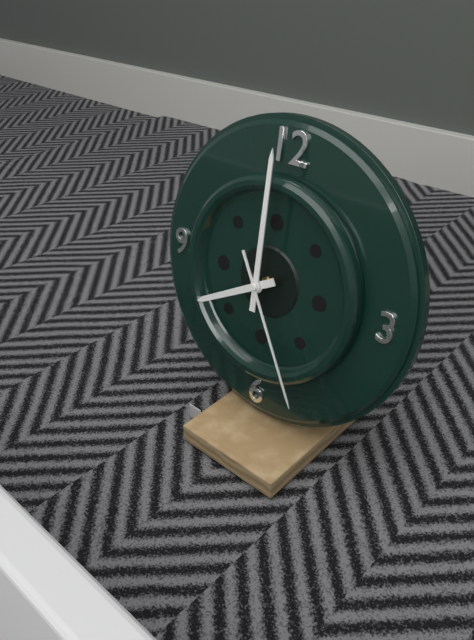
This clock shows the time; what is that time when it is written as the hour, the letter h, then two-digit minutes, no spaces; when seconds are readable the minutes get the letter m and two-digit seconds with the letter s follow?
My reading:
8h00m25s
